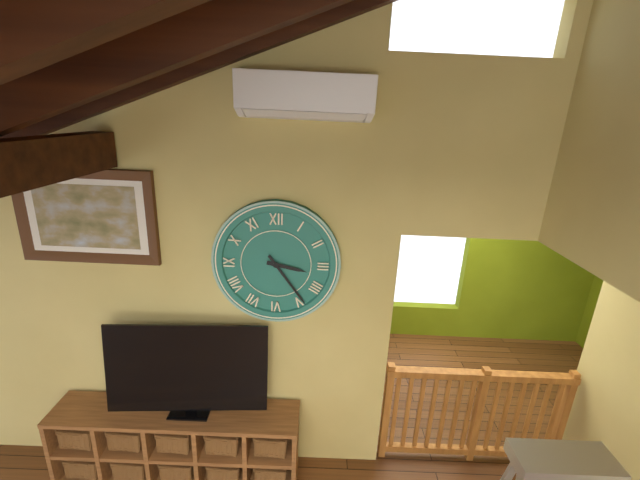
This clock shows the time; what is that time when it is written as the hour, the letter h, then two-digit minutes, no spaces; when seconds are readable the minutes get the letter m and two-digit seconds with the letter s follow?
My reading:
3h24
